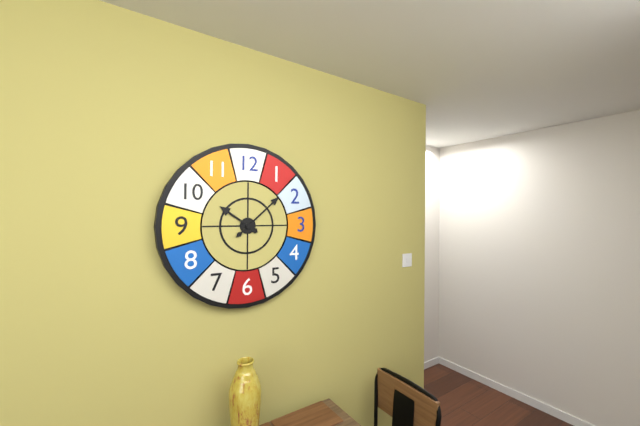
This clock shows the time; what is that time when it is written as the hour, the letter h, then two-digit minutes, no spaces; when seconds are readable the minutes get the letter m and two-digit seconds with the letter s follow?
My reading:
10h08
